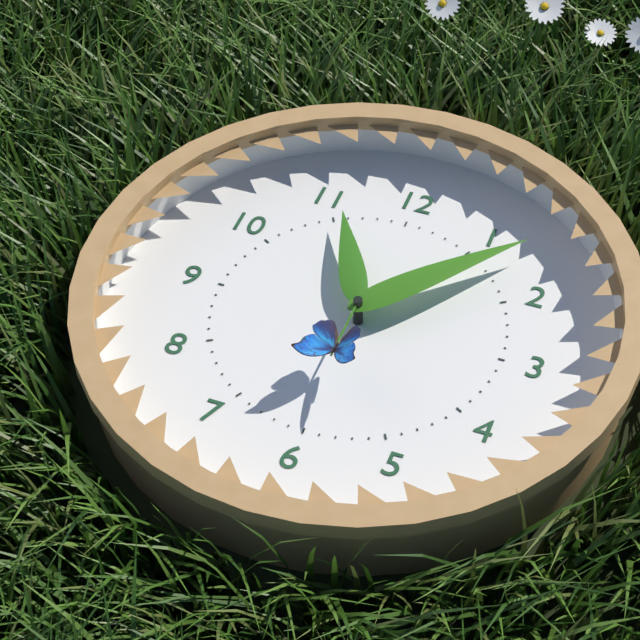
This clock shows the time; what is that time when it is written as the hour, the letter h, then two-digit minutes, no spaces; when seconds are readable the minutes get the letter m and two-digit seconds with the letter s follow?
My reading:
11h07m30s
